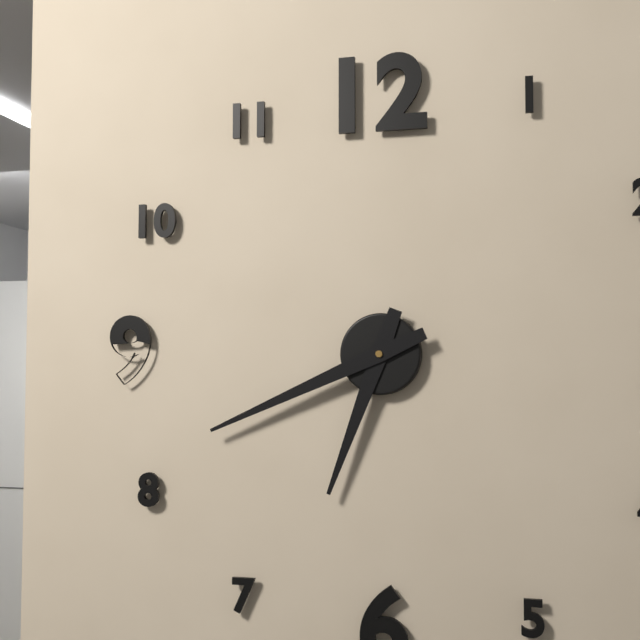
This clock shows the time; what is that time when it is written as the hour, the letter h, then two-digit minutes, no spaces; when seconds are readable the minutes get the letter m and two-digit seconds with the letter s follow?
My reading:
6h41
